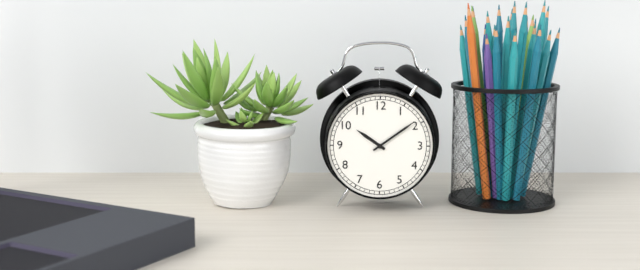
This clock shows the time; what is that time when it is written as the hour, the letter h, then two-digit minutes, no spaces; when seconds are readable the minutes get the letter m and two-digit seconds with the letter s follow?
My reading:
10h09
